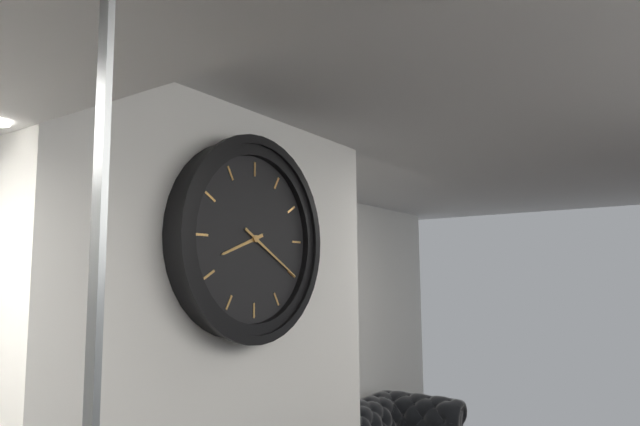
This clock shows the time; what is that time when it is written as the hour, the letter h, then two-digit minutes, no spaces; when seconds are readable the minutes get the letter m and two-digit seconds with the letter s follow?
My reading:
8h20
